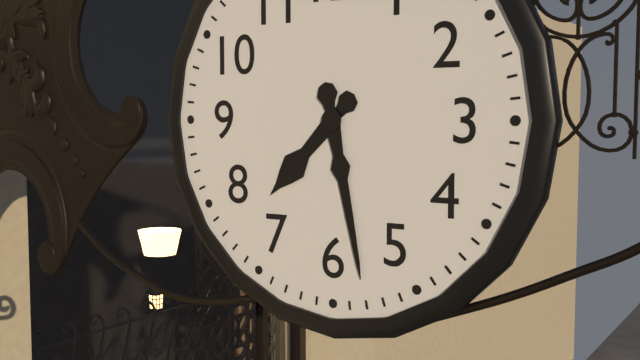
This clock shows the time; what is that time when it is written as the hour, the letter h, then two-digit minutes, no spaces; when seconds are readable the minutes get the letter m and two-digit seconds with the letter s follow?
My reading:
7h28
